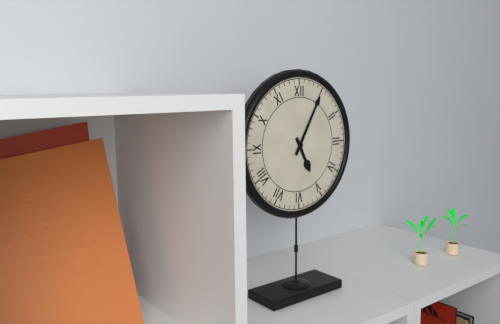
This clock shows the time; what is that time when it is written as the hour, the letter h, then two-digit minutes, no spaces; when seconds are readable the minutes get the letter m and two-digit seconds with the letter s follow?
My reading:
5h05
